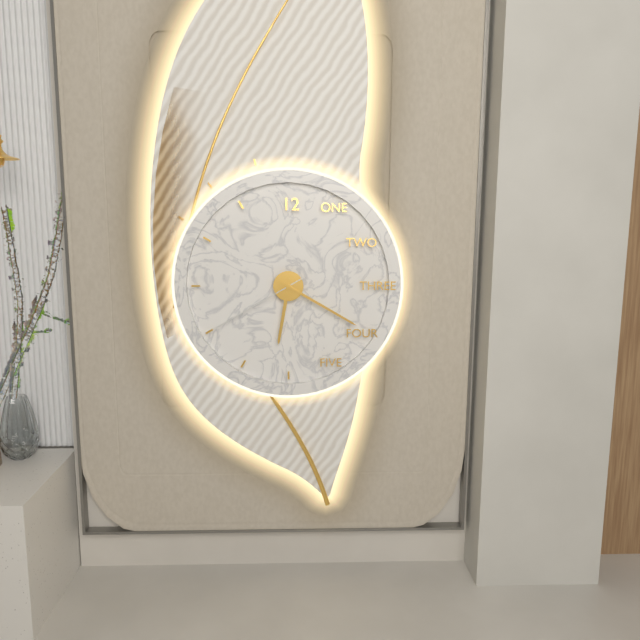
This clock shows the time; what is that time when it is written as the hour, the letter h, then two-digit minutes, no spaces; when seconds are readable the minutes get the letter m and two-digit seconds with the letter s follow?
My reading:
6h20m40s
